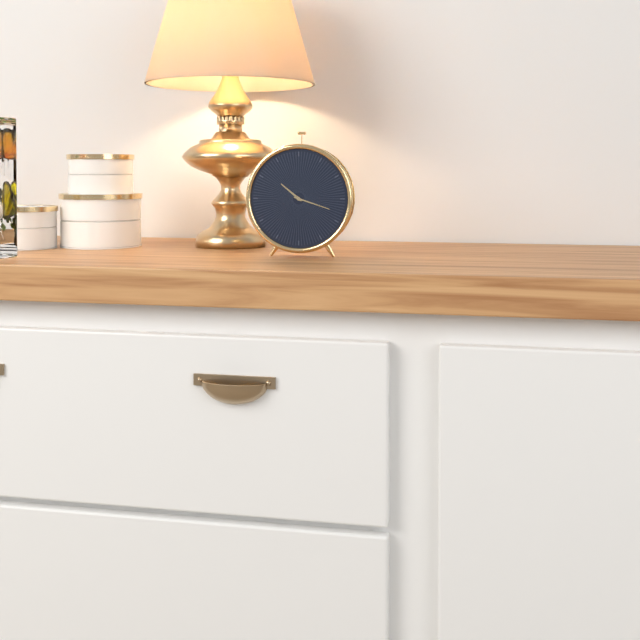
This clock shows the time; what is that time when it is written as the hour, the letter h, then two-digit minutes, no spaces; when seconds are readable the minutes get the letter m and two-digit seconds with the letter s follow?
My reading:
10h18
